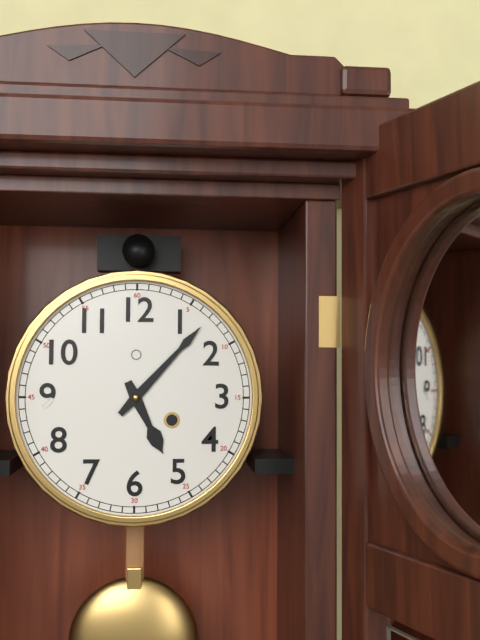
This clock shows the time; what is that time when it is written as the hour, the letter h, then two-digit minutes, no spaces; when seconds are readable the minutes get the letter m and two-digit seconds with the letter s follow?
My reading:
5h07
